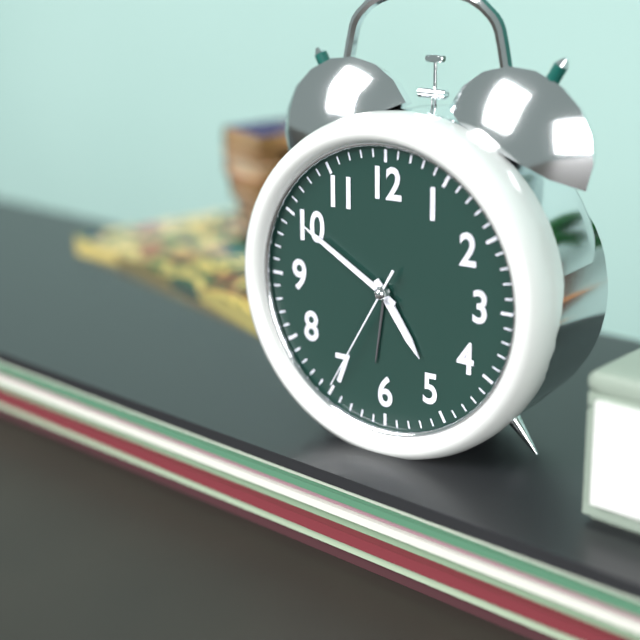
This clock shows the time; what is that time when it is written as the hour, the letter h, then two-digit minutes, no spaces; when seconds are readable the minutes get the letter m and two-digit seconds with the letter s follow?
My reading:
4h50m35s
